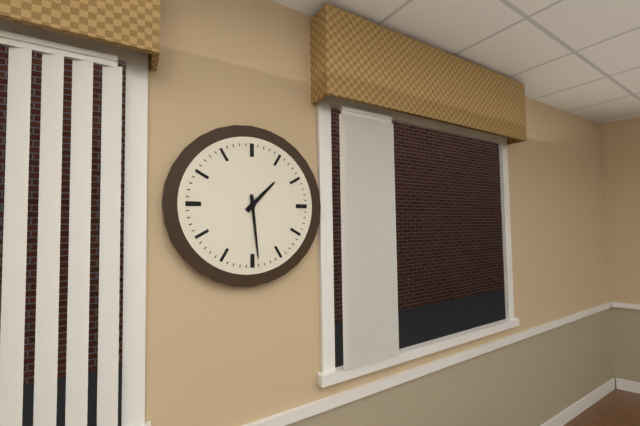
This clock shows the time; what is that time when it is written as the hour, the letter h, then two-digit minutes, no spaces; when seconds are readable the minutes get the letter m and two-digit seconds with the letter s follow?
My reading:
1h29
